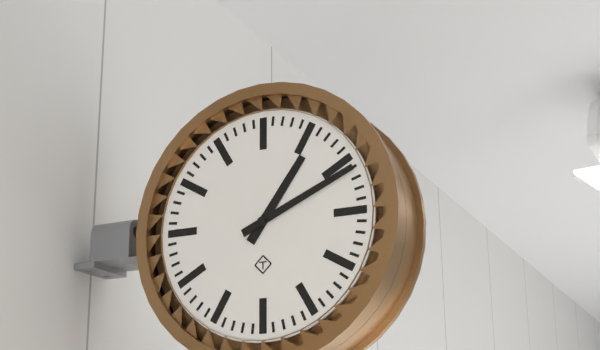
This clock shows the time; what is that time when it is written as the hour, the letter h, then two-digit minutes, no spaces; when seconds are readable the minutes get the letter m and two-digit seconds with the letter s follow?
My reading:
1h11
